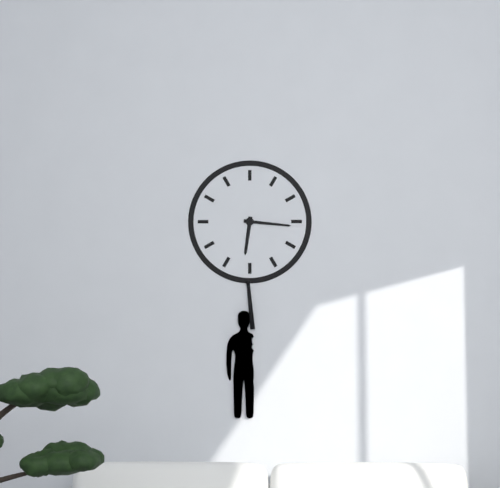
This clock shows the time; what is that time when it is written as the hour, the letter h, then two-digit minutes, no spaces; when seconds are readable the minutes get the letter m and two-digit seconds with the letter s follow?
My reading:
6h16
